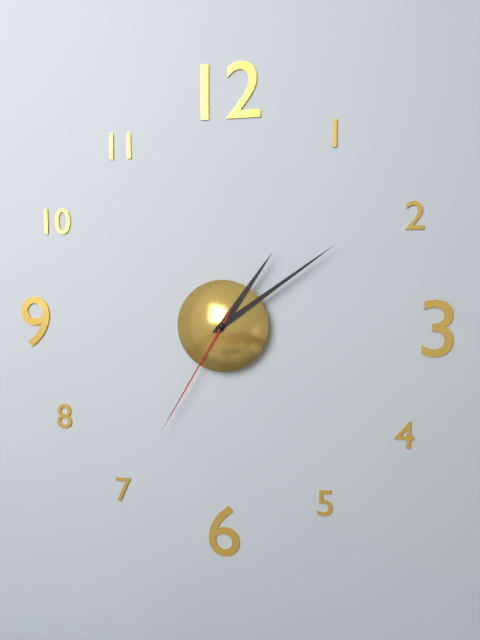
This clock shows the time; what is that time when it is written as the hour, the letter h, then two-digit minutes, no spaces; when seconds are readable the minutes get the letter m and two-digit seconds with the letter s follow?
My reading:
1h09m35s
